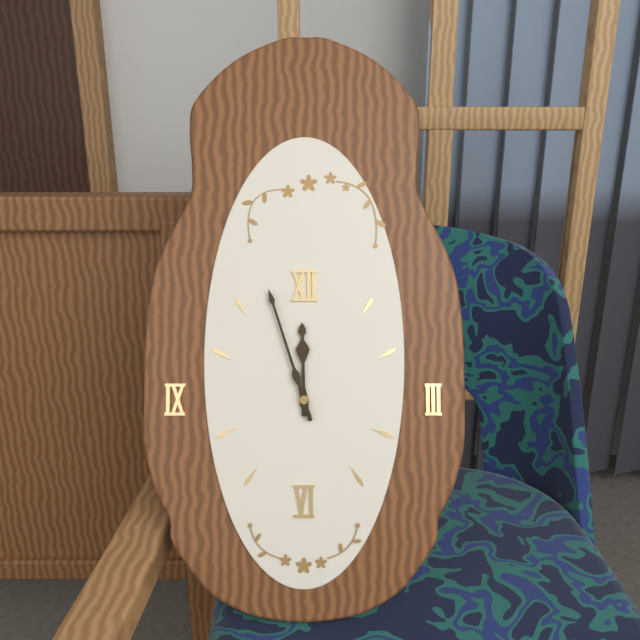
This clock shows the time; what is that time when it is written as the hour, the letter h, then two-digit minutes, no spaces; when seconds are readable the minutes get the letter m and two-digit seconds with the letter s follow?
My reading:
11h57
